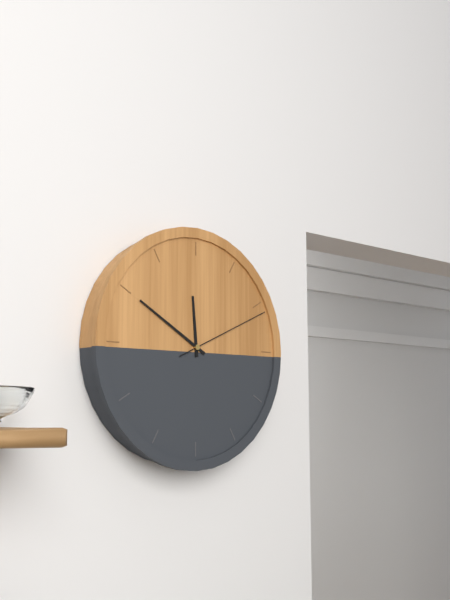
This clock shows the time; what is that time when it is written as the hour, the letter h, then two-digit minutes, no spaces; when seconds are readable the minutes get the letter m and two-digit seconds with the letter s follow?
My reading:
11h50m11s
